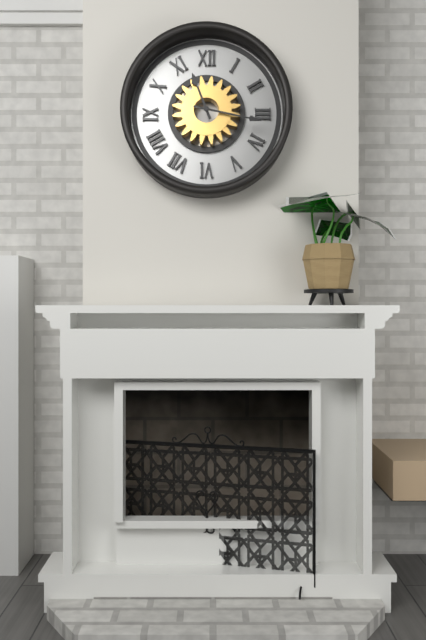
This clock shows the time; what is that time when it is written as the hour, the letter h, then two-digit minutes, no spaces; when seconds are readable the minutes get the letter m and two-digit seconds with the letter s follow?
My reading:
11h17
